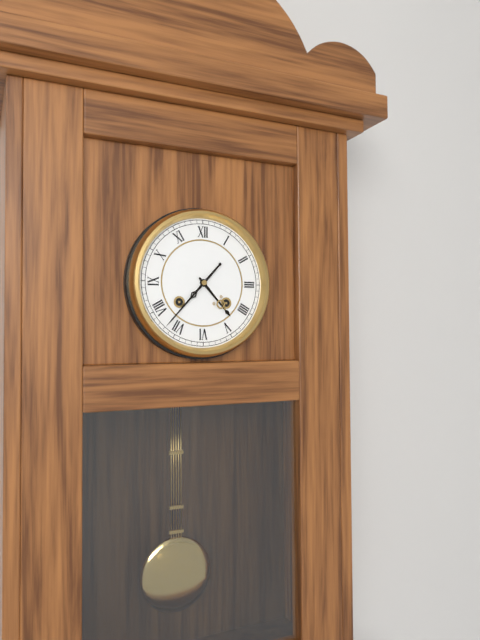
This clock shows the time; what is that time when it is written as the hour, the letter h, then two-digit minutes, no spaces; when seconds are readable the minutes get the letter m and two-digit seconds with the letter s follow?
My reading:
4h37
